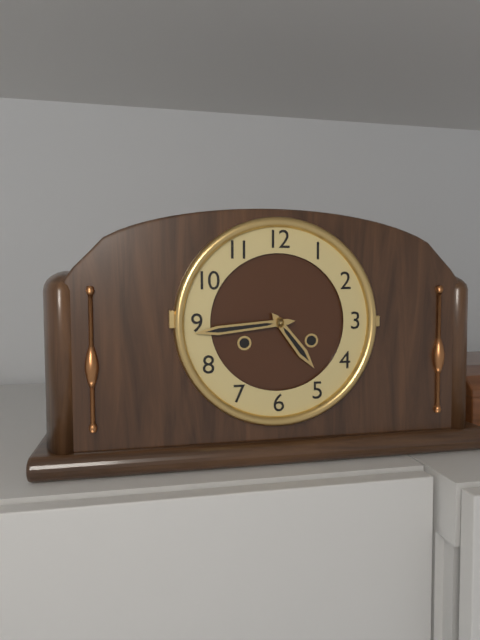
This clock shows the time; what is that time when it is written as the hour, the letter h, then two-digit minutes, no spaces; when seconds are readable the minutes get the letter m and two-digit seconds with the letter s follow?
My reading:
4h44
